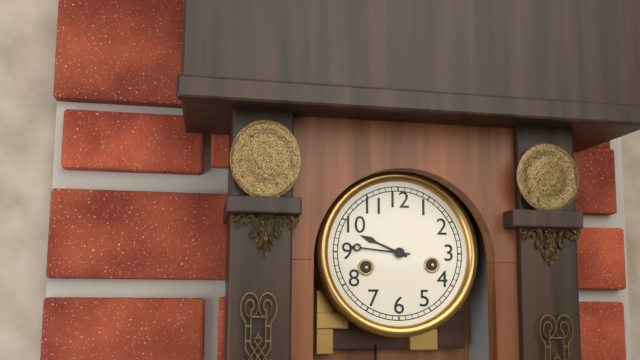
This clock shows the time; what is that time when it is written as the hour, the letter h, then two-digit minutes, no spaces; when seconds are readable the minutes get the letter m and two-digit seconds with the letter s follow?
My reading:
9h46
